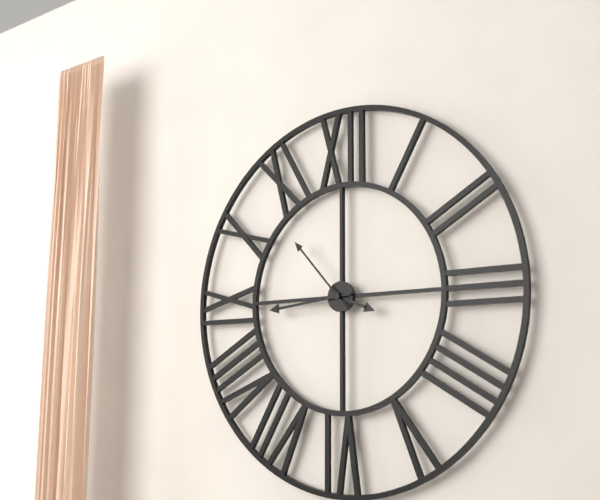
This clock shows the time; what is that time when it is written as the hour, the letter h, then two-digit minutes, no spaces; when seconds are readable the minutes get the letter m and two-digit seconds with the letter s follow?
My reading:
3h44m53s
